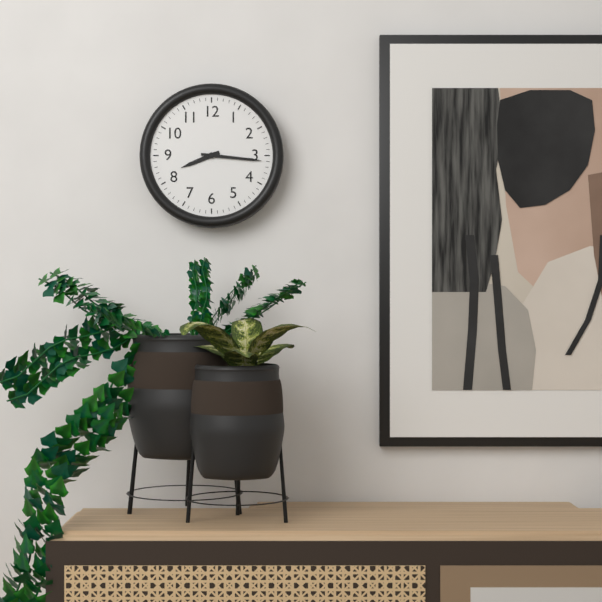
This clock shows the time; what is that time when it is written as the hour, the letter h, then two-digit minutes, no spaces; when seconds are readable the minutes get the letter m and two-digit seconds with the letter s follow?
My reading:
8h16
